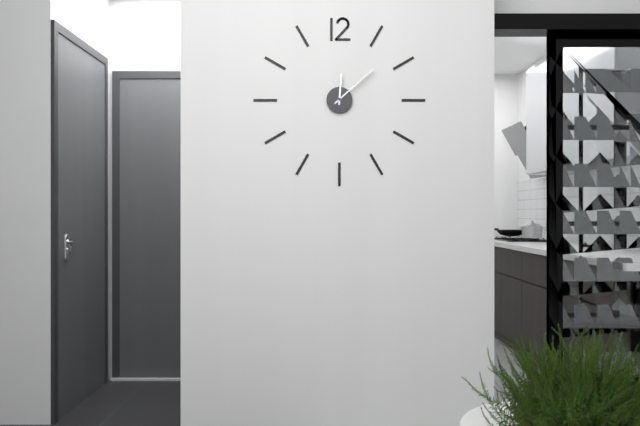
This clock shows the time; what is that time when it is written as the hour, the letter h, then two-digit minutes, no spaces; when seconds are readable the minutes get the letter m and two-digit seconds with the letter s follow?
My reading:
12h08
